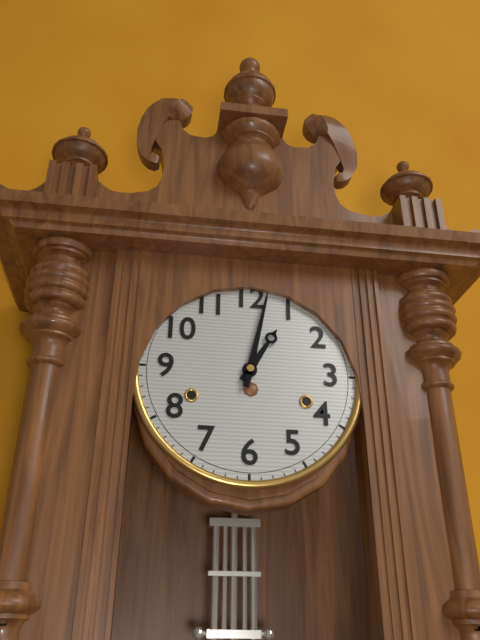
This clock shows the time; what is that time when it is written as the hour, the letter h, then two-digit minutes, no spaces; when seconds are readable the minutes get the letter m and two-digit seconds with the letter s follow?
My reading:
1h02
